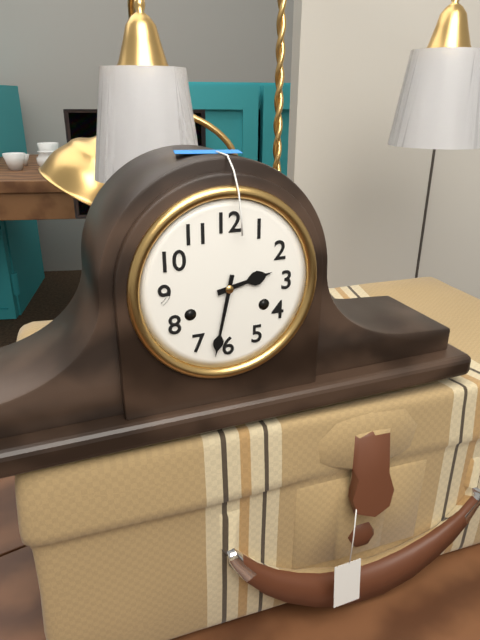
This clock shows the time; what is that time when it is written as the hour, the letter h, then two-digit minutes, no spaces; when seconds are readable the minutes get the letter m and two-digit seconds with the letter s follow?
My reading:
2h32
